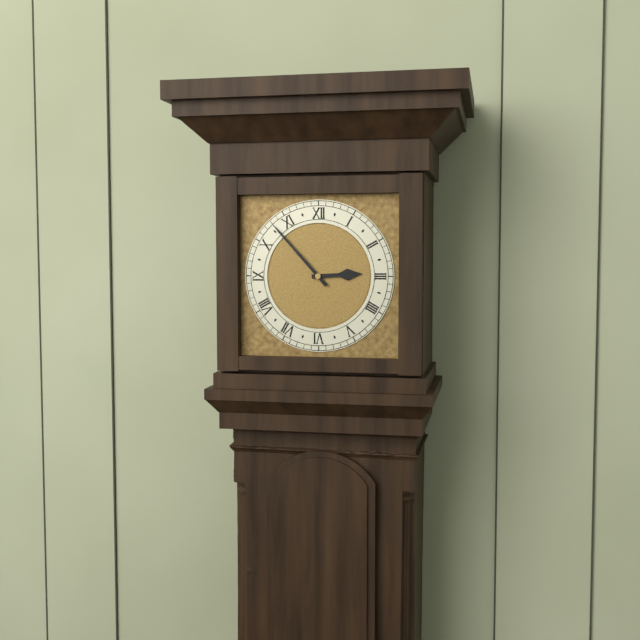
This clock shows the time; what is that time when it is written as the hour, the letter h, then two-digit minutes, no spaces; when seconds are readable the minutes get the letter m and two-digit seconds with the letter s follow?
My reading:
2h53
